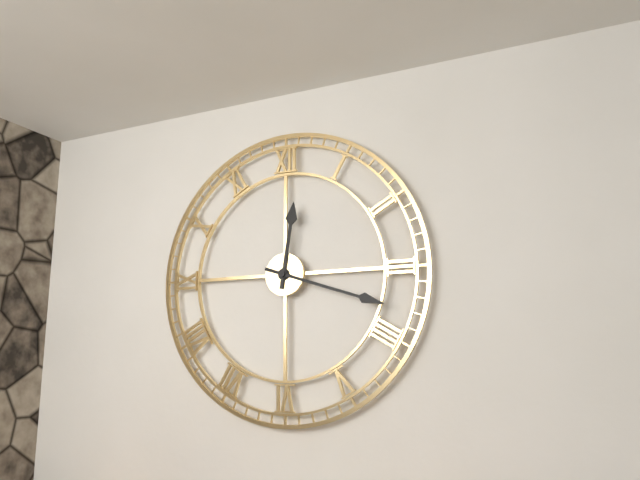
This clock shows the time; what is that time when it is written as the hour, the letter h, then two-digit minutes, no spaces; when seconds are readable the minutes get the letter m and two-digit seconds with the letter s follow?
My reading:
12h18
